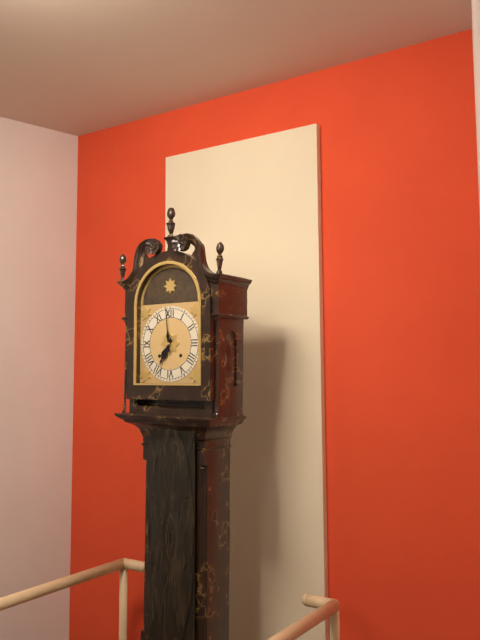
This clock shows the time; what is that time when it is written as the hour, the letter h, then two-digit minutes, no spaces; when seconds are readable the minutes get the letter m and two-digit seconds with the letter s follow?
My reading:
6h59
